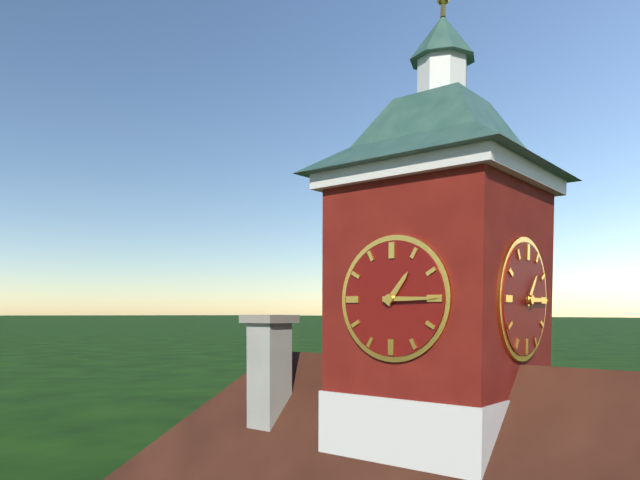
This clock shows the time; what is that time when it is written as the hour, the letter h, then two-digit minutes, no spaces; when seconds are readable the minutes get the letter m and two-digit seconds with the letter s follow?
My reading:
1h15
